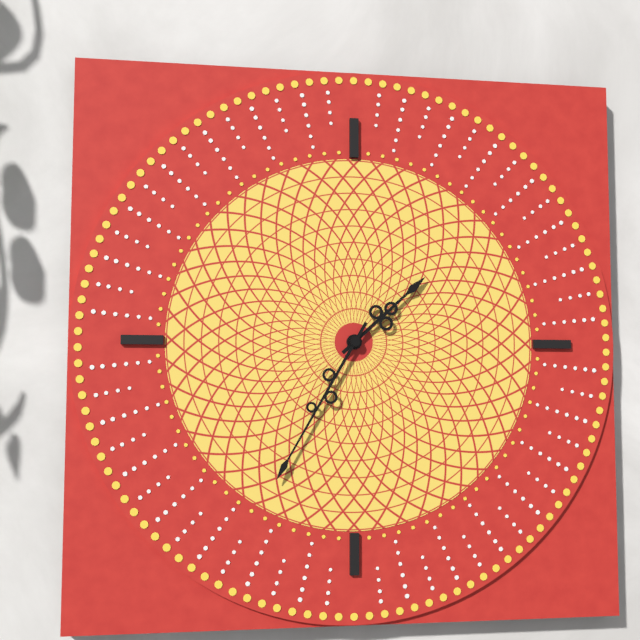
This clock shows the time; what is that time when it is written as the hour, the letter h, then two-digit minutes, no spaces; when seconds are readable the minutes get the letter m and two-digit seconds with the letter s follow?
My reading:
1h35
